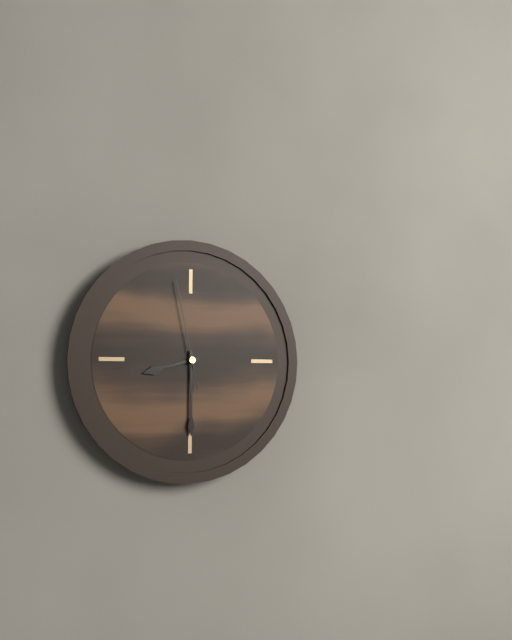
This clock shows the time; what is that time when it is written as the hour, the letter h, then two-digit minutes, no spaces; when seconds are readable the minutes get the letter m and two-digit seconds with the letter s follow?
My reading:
8h30m58s
